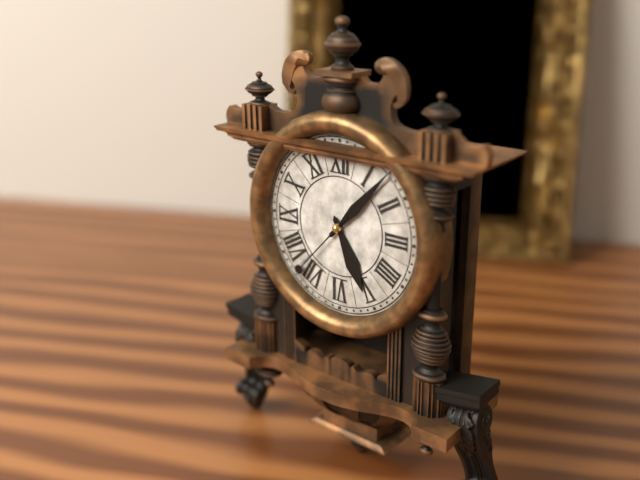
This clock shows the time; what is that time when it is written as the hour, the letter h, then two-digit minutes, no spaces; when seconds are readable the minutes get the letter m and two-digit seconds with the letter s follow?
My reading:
5h07m37s
